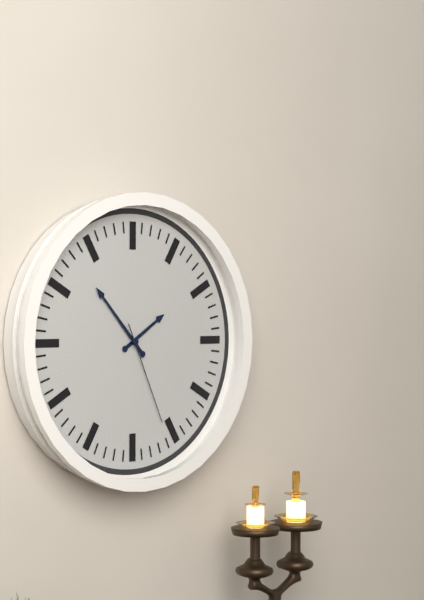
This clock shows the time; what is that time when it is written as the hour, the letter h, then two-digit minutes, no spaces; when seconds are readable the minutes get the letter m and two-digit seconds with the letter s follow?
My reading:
1h53m26s
